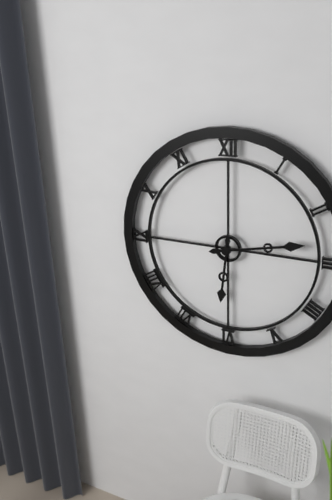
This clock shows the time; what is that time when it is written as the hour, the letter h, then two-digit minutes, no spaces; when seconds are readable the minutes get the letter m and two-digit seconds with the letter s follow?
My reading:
6h13
